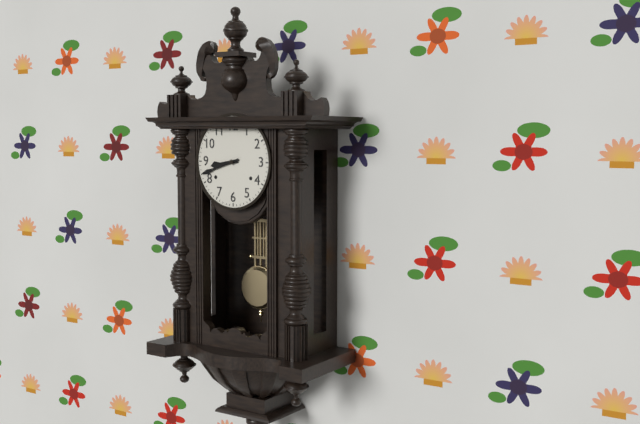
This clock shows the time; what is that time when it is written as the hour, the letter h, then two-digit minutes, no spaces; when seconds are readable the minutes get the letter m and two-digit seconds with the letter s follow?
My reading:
8h42
